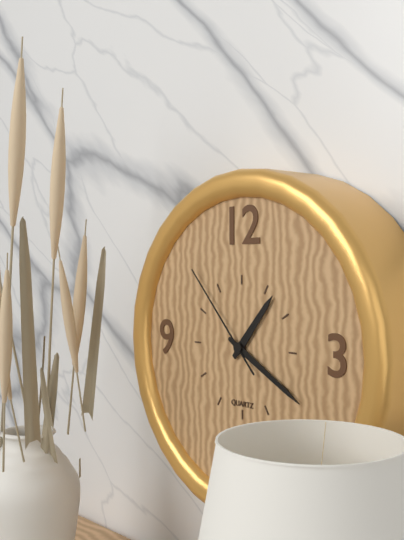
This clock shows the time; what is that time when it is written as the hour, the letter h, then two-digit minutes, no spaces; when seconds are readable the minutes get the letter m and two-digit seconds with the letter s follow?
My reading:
1h20m53s
